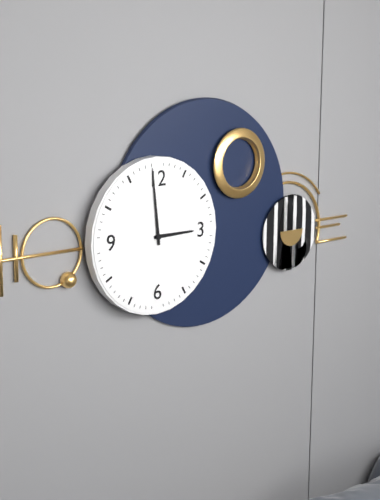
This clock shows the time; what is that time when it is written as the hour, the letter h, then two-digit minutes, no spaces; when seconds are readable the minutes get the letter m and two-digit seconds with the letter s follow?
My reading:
2h59
